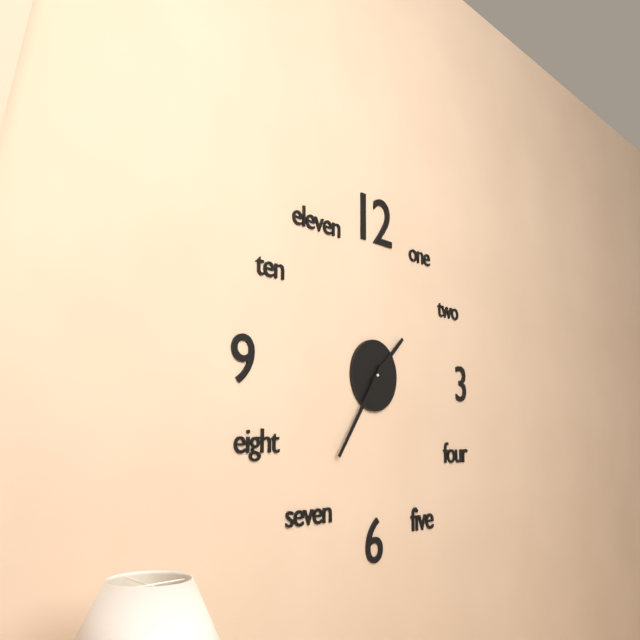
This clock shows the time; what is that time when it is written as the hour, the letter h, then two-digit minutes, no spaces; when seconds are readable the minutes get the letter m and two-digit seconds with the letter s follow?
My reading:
1h36
